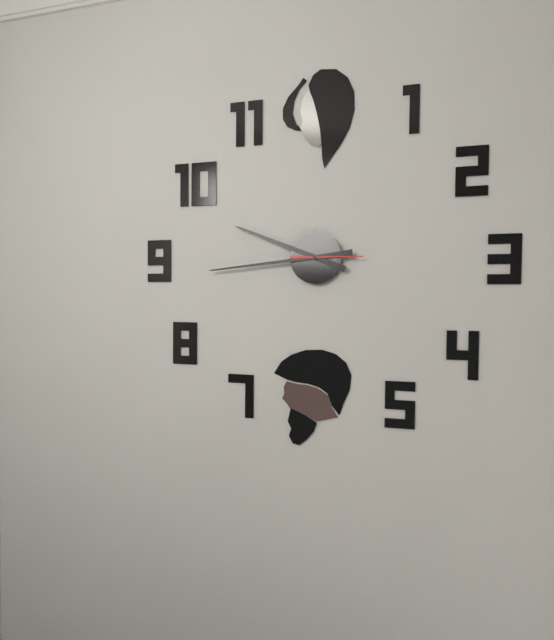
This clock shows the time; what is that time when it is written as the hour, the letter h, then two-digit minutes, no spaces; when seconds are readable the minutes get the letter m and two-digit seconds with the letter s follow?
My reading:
9h44m15s
